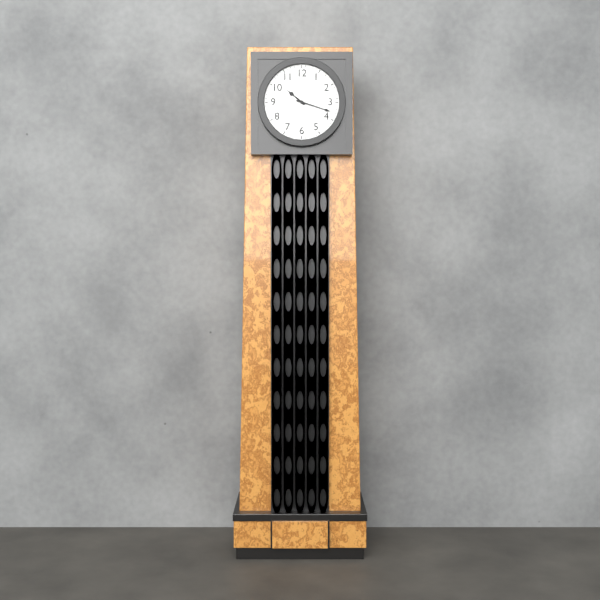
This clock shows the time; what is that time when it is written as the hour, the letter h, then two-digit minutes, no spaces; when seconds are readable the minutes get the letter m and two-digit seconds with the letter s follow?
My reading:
10h18
